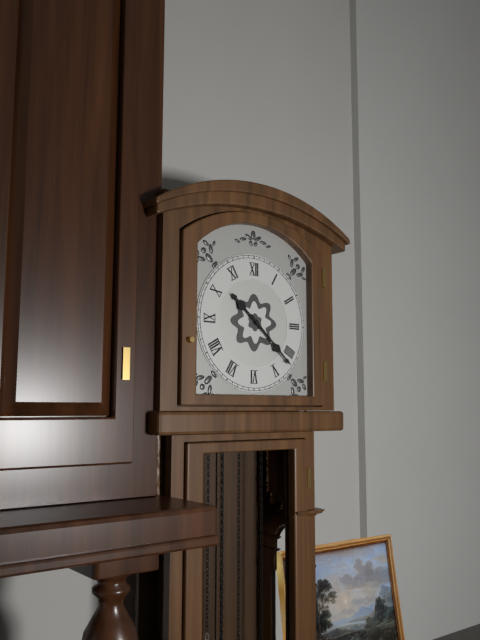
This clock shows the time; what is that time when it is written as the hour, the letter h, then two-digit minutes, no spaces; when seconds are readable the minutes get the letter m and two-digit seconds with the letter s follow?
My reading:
10h22
